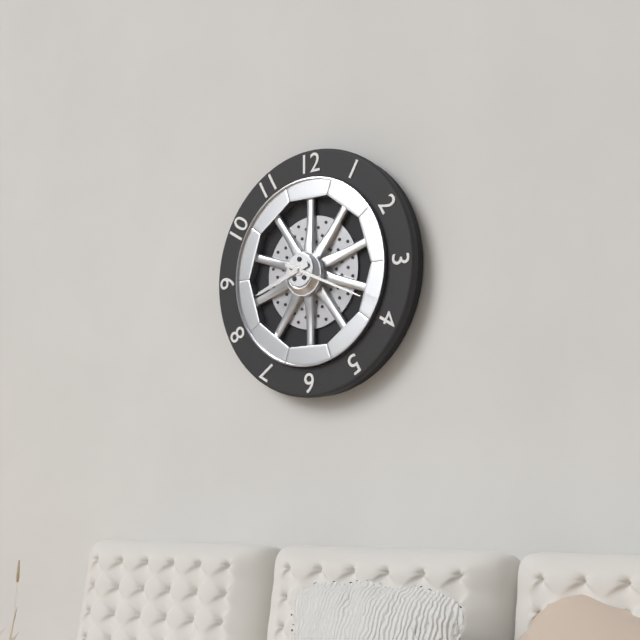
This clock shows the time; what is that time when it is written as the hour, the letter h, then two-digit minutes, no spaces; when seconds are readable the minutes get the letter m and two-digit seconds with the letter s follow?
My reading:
8h19
